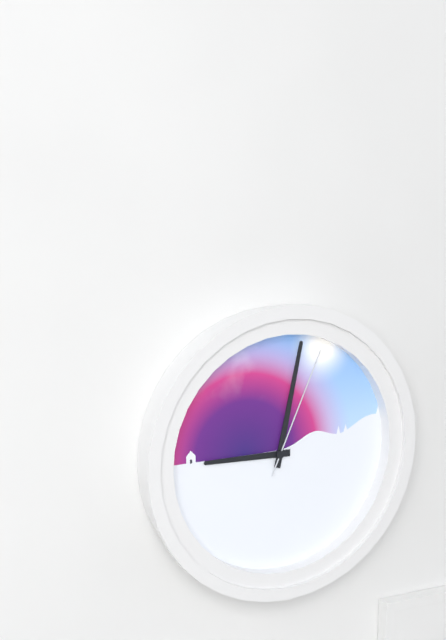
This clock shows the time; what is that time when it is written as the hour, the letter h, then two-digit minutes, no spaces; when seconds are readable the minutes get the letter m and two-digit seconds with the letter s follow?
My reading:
9h02m04s
